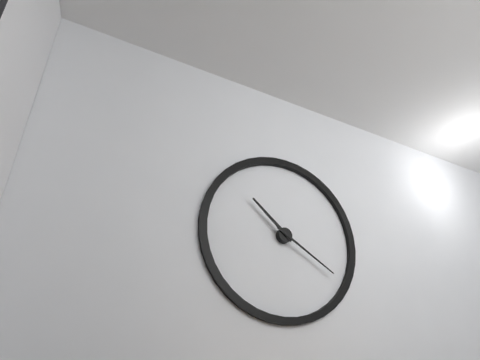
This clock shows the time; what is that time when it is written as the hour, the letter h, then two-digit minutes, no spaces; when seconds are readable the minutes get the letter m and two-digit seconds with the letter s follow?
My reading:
10h20
